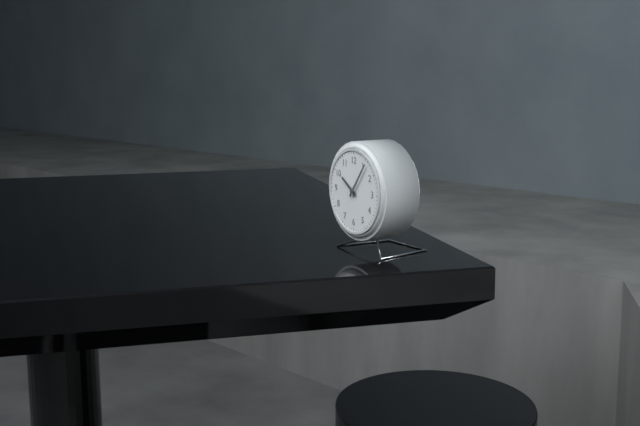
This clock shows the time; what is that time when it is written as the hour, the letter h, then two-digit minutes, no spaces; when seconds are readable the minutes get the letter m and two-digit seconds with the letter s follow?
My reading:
10h06
